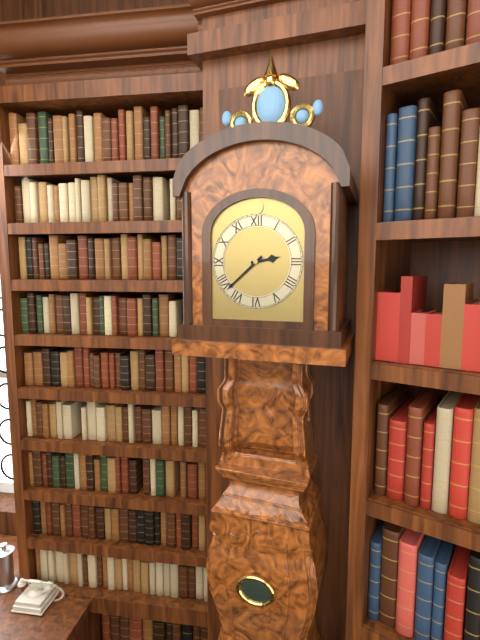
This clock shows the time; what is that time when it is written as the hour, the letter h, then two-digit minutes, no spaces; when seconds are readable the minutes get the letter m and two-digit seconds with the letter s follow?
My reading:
2h38
